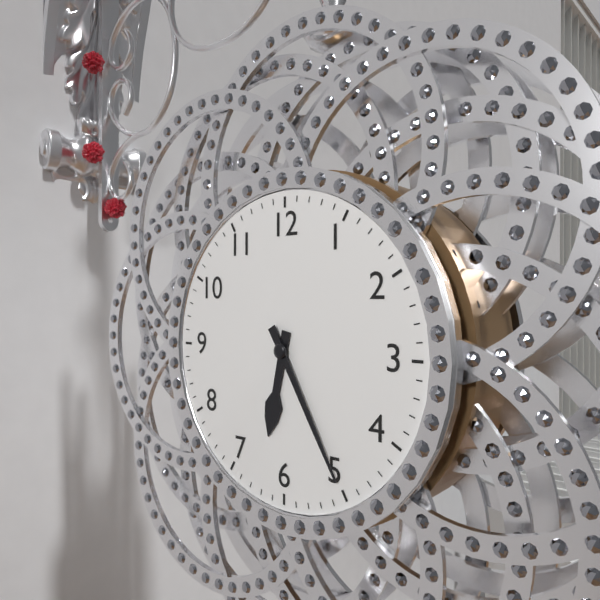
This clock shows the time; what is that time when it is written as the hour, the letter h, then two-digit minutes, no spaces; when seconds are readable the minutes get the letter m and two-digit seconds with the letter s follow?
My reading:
6h25
